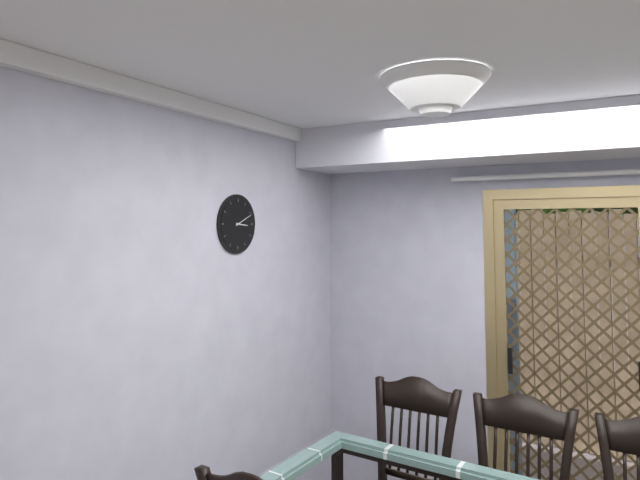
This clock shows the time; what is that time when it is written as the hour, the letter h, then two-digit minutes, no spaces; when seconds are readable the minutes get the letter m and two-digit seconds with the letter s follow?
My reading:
3h11
